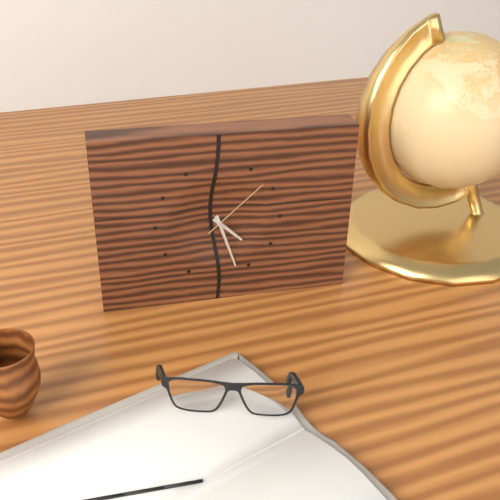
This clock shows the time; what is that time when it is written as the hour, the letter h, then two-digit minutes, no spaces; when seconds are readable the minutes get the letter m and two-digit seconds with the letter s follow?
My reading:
4h27m08s
